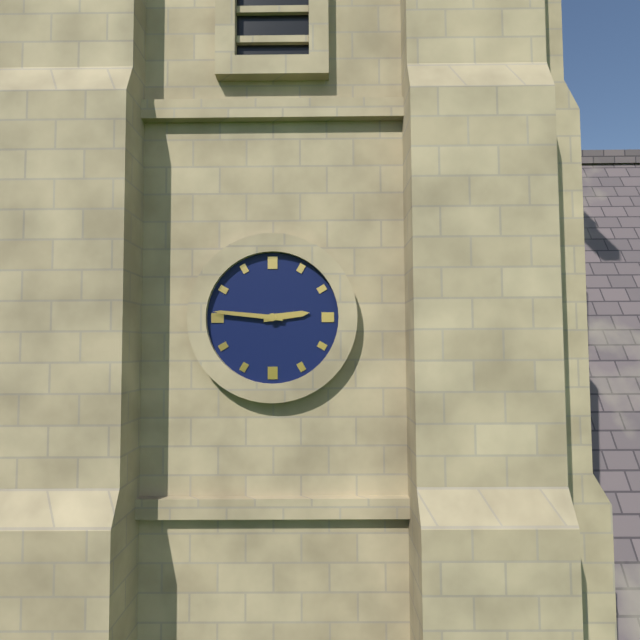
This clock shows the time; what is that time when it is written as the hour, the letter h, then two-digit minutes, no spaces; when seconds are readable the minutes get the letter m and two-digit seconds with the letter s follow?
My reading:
2h46
